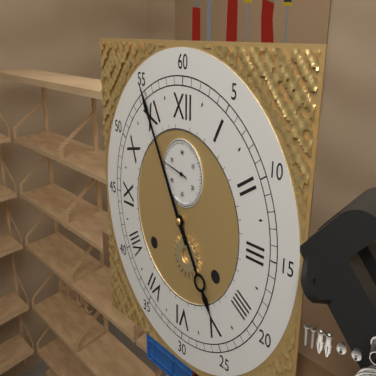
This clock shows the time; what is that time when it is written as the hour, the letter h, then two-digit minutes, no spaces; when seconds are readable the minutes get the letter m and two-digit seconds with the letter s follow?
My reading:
4h55
